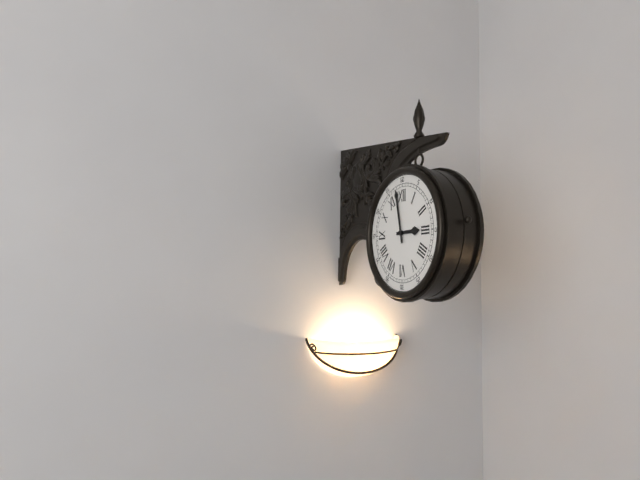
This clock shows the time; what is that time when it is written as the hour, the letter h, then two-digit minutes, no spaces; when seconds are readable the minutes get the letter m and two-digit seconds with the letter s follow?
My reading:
2h58
